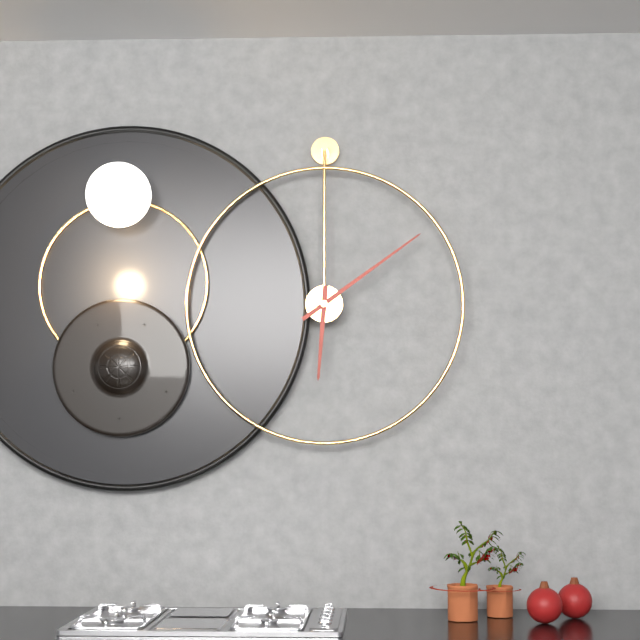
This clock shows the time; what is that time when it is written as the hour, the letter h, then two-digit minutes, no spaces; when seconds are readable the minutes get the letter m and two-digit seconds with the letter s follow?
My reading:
6h09
